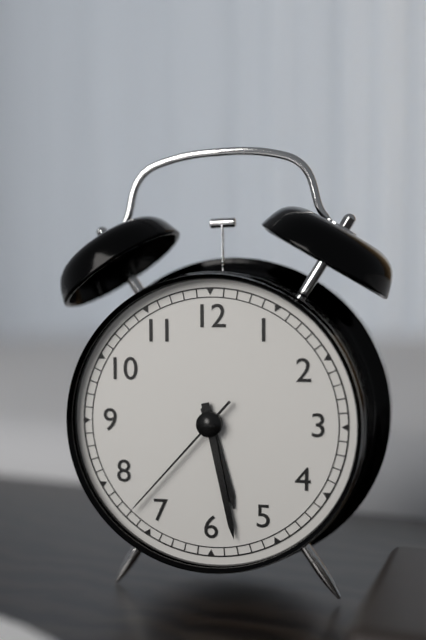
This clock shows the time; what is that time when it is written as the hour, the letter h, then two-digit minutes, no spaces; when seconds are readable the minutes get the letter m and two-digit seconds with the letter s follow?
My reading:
5h28m37s
